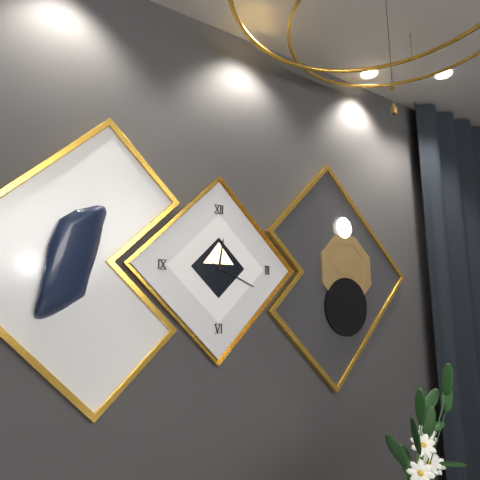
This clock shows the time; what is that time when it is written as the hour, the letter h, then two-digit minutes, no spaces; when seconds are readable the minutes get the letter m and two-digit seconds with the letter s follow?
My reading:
12h19
